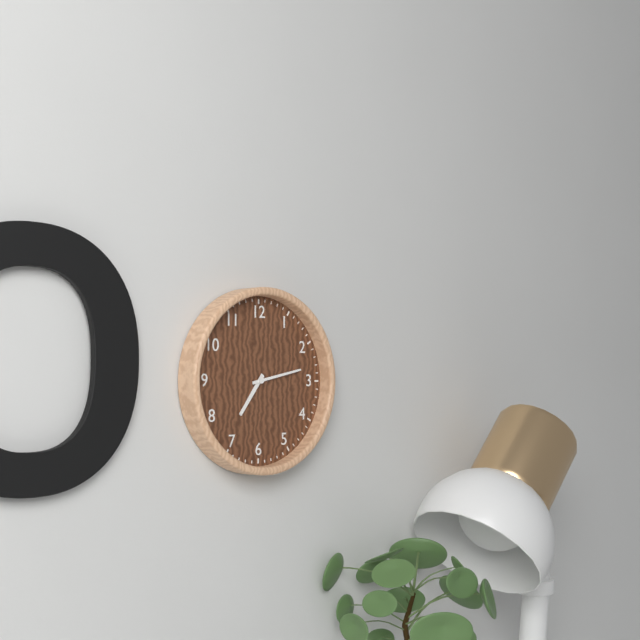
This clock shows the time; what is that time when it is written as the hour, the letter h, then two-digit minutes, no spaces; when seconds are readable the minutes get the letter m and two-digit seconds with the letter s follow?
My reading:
7h13
